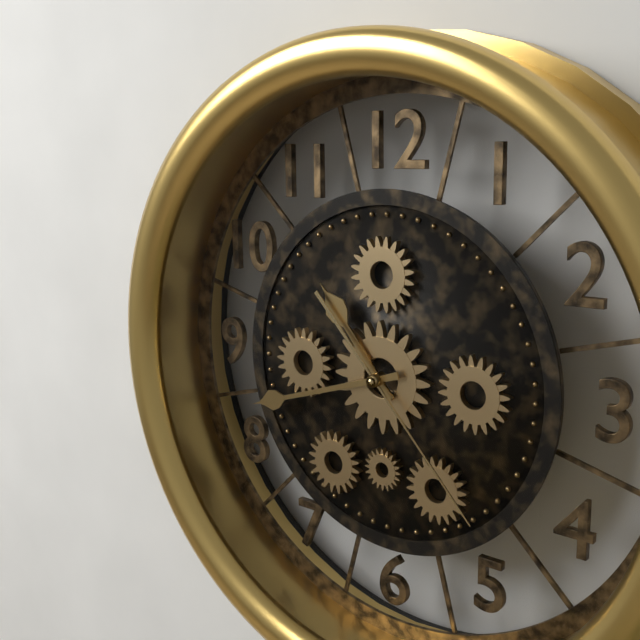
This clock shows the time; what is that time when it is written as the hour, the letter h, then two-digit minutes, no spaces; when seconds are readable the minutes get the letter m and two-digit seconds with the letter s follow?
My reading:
10h42m23s
